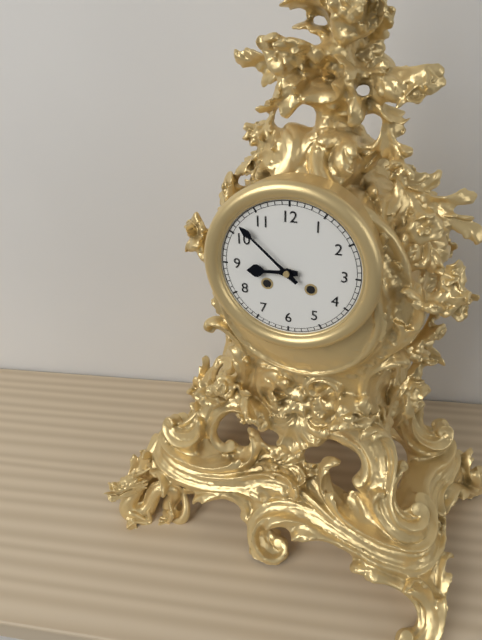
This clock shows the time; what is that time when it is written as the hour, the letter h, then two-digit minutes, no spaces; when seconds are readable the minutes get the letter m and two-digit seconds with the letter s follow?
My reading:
8h52
